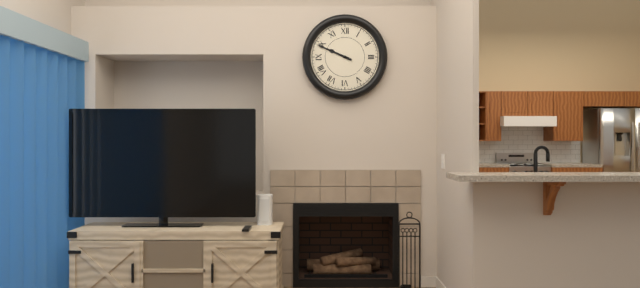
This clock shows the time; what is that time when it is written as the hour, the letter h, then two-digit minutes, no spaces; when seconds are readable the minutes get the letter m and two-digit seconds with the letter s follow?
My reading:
9h49
